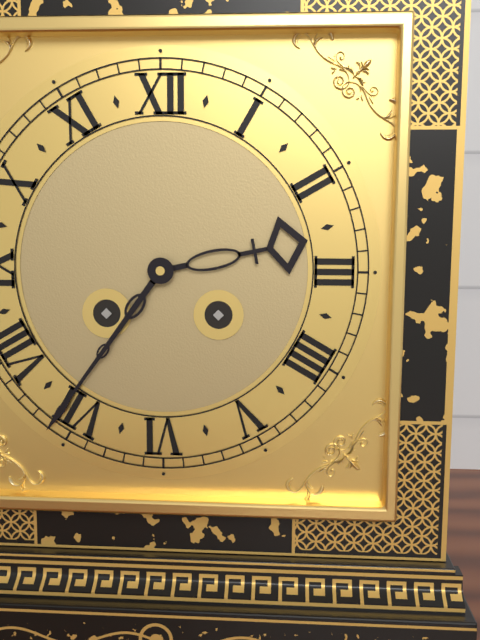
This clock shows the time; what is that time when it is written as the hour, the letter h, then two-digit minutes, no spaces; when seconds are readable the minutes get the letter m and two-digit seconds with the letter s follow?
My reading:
2h36
